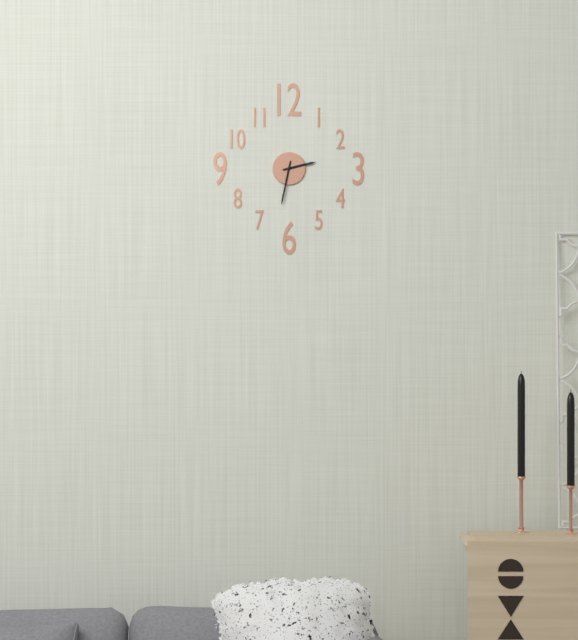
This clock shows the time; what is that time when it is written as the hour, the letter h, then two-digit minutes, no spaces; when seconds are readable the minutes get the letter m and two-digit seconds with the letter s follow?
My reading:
2h32
